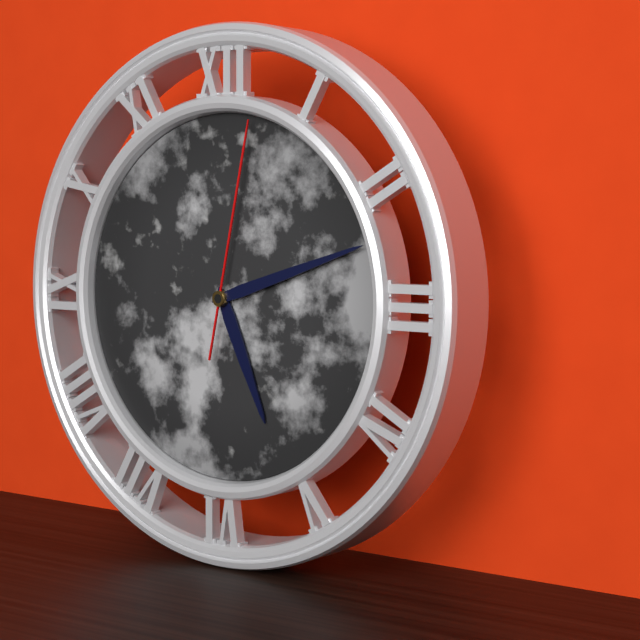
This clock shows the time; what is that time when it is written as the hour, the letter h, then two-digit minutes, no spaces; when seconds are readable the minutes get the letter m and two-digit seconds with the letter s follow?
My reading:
5h12m02s
